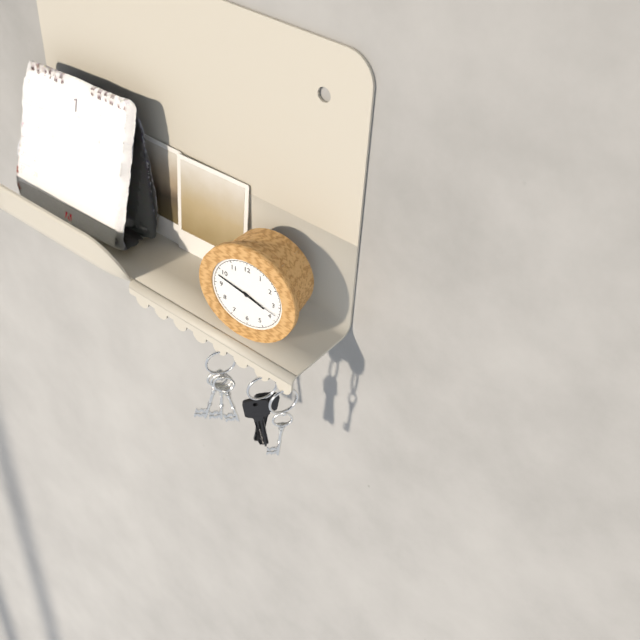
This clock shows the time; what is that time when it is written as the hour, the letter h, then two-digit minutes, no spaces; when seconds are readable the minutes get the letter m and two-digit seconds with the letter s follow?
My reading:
3h48
